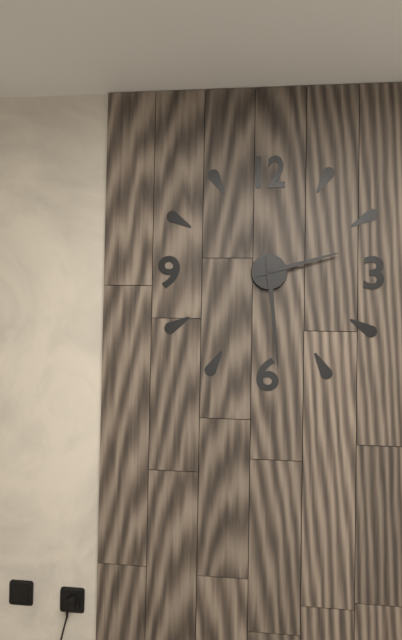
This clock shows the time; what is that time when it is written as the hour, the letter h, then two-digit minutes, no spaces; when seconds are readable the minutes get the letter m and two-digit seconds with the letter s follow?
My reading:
2h29
